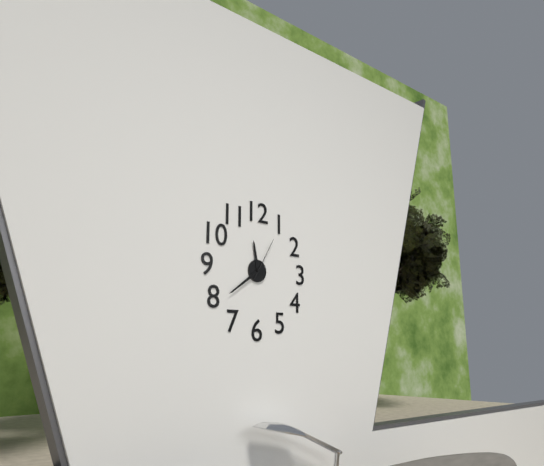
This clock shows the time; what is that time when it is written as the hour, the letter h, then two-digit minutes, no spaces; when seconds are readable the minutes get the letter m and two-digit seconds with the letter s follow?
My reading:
11h39
